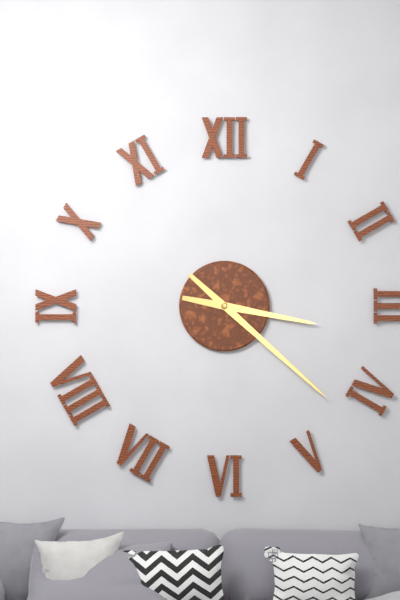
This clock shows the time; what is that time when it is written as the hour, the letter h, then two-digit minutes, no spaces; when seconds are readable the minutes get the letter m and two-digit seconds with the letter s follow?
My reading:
3h22
